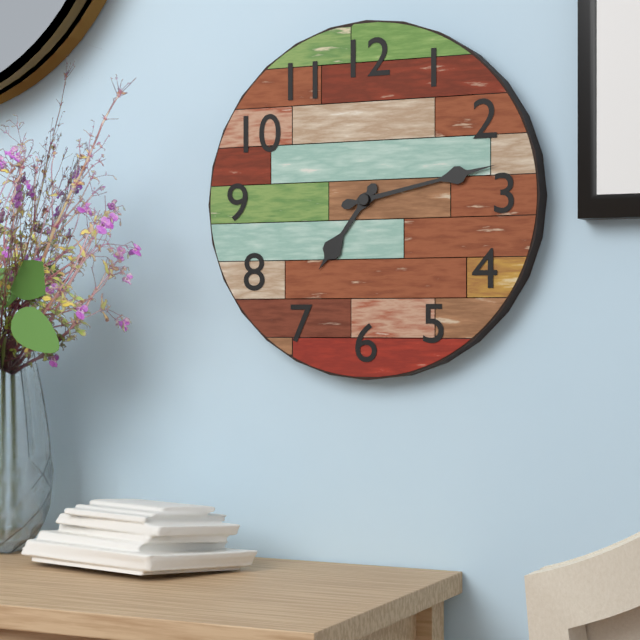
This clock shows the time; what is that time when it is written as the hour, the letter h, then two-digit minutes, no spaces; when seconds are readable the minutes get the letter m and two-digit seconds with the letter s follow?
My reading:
7h13
